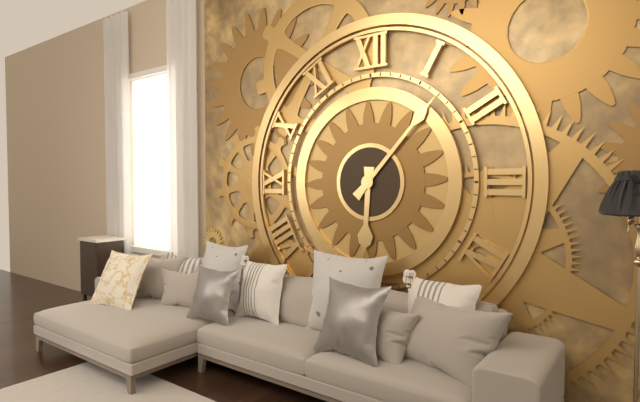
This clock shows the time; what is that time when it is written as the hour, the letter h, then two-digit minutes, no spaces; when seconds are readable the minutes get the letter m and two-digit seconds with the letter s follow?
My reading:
6h07
